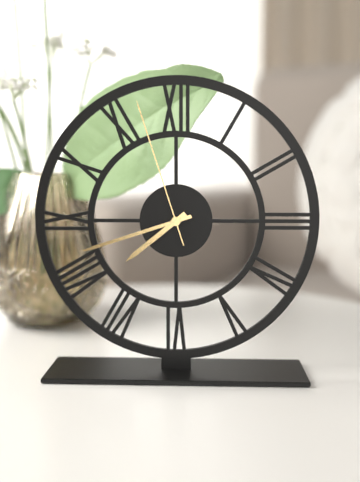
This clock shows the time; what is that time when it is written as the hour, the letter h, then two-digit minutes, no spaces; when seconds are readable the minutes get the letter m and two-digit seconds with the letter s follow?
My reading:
7h42m57s
